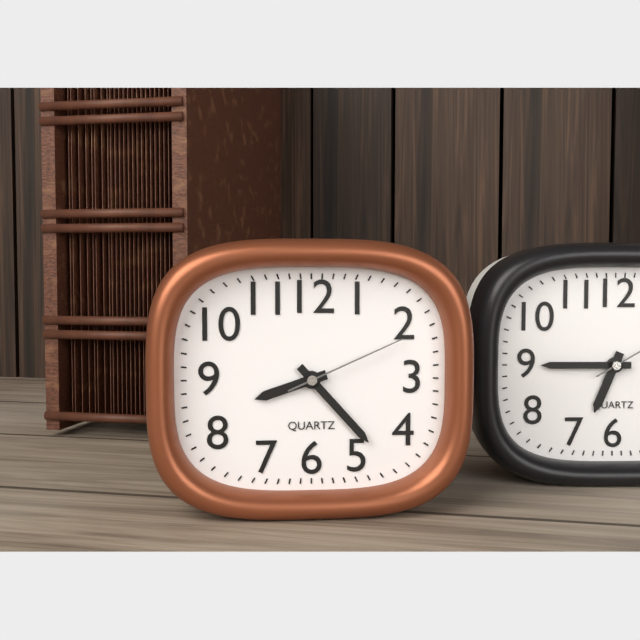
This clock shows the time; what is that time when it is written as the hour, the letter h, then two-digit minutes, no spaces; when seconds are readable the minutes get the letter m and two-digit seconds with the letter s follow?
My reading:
8h23m11s
